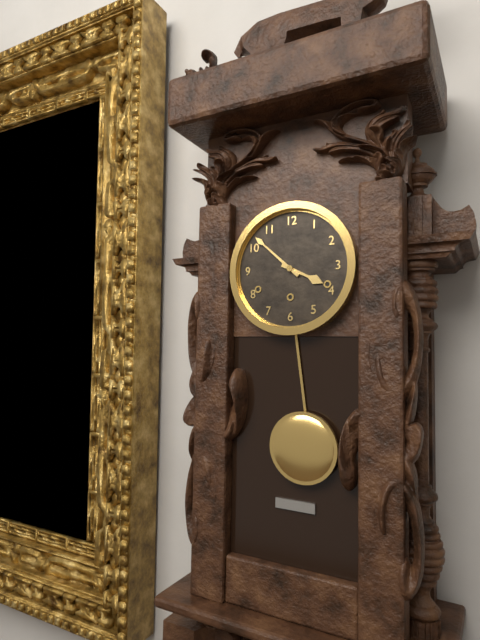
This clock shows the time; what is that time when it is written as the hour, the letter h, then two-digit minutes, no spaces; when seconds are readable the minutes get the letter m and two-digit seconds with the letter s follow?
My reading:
3h52
